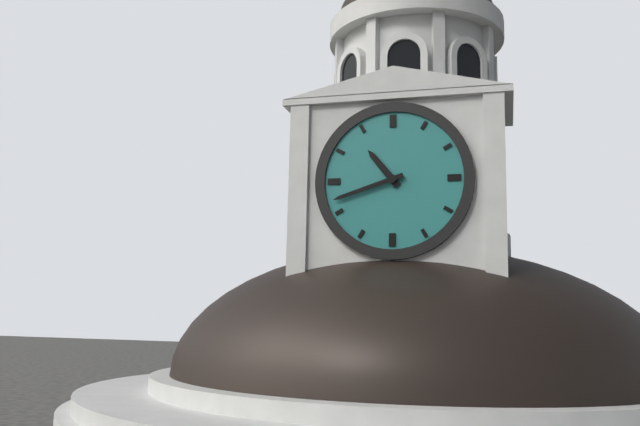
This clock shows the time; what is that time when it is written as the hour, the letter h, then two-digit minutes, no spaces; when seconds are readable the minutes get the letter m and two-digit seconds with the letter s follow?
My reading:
10h42
